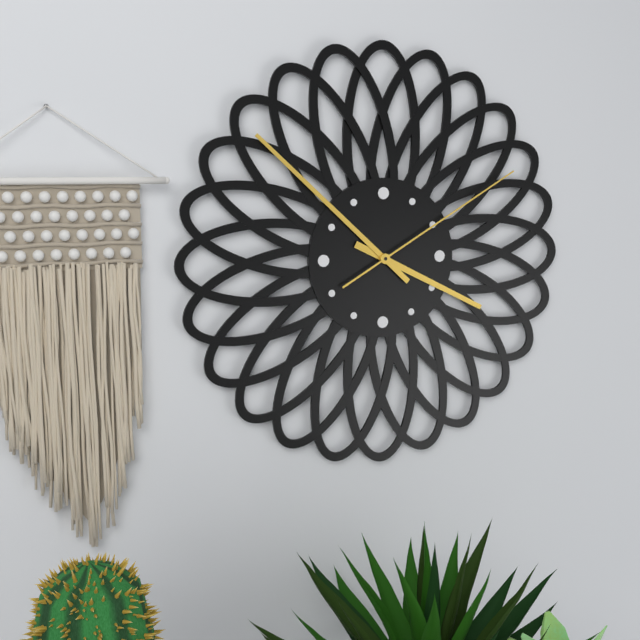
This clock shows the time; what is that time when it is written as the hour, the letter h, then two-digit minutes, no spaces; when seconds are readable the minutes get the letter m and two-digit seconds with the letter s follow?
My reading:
3h52m10s
